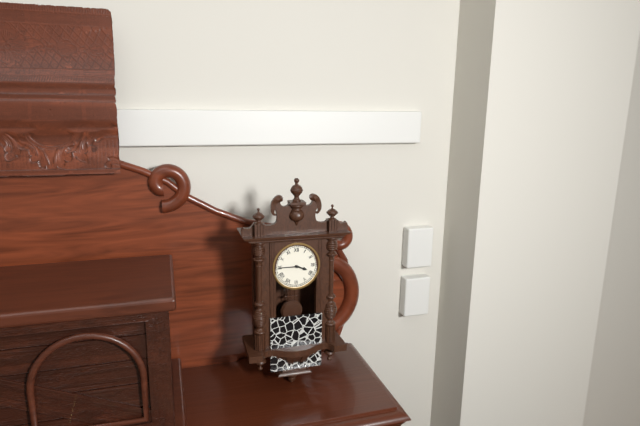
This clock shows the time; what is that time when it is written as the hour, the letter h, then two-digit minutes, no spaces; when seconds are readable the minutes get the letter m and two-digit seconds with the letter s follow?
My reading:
3h45
